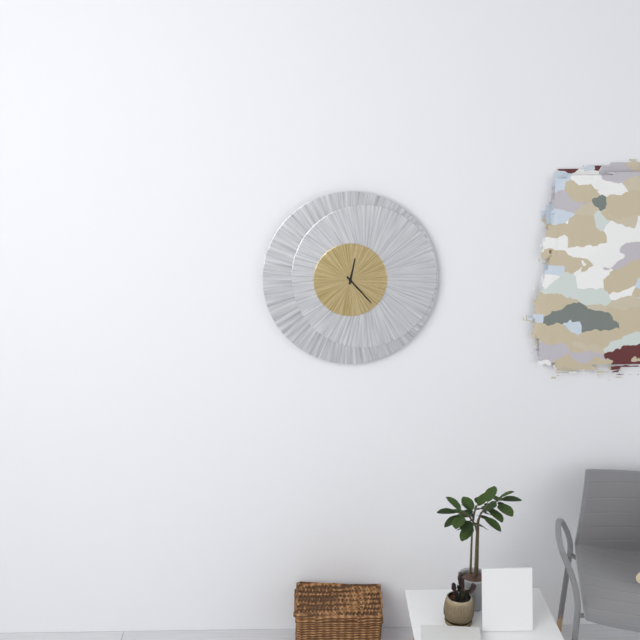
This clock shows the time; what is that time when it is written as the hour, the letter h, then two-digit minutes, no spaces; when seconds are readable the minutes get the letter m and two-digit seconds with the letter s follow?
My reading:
12h23
